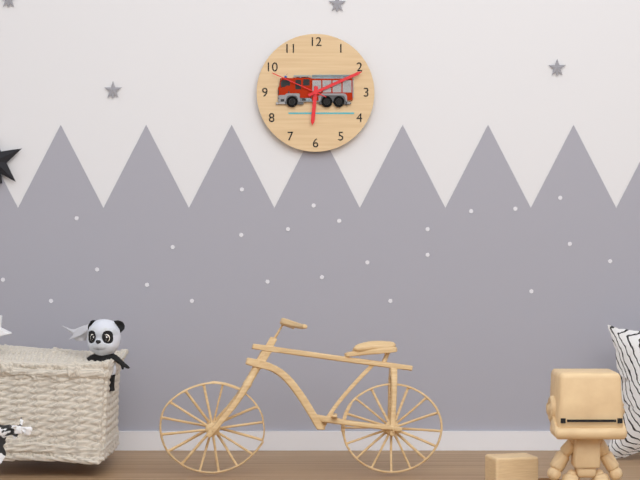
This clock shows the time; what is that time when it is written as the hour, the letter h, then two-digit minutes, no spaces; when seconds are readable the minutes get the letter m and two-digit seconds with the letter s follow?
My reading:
6h11m49s
